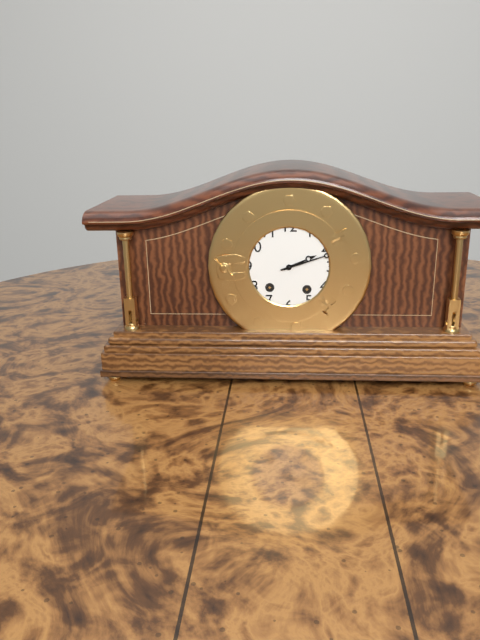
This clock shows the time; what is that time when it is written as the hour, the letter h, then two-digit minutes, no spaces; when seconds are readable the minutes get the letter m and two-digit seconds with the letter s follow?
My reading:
2h12
